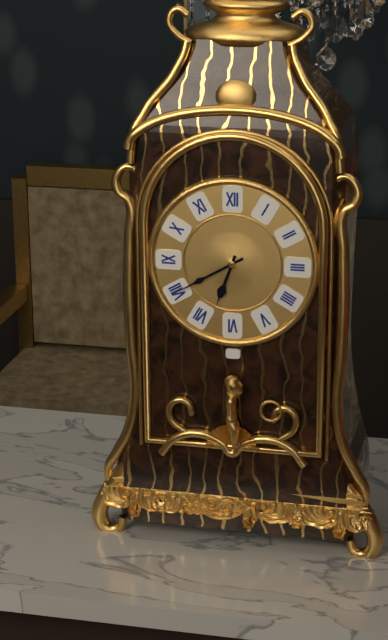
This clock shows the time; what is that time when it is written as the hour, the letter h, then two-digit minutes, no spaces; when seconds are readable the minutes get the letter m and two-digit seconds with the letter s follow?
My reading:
6h40
